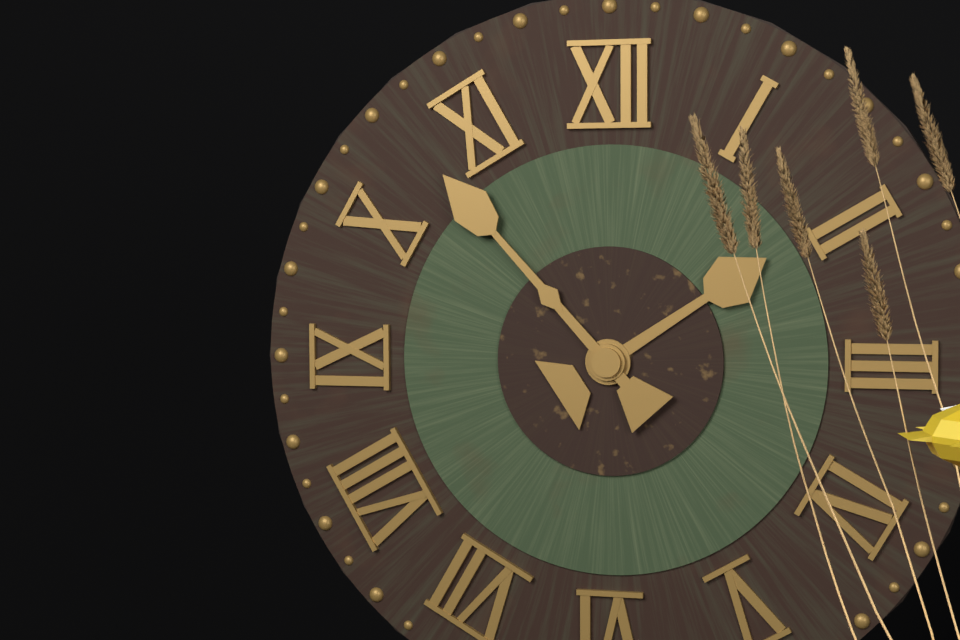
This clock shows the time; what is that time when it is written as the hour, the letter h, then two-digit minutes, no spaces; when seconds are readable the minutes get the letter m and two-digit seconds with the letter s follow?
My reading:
1h53
